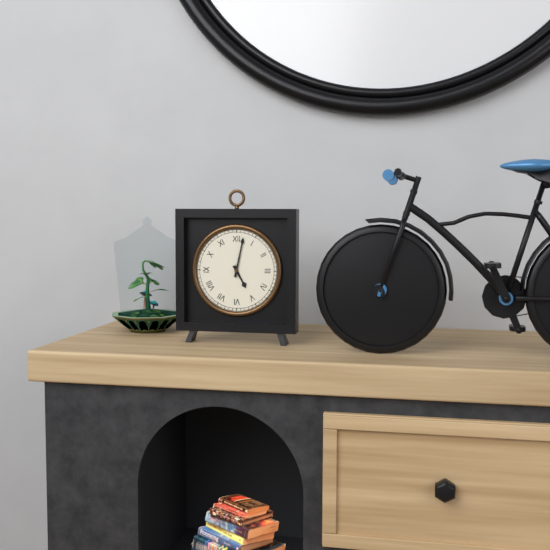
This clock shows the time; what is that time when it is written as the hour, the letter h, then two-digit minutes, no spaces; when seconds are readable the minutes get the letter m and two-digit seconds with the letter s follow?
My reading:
5h02
